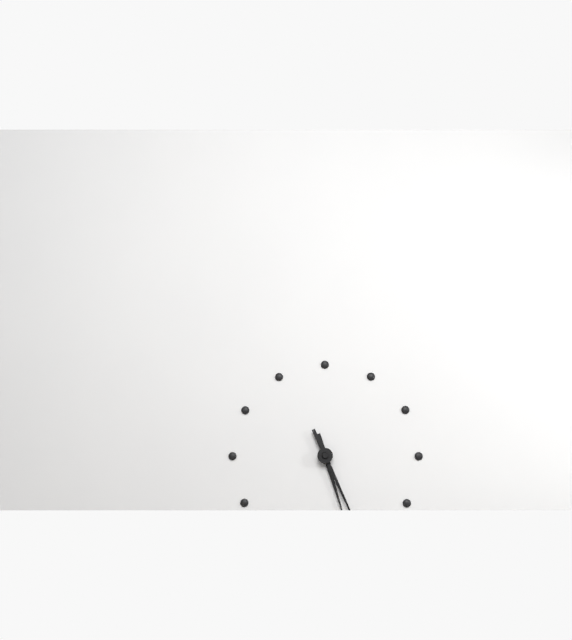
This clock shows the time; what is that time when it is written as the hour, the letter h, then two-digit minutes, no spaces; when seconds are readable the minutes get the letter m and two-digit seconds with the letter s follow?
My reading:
5h26
